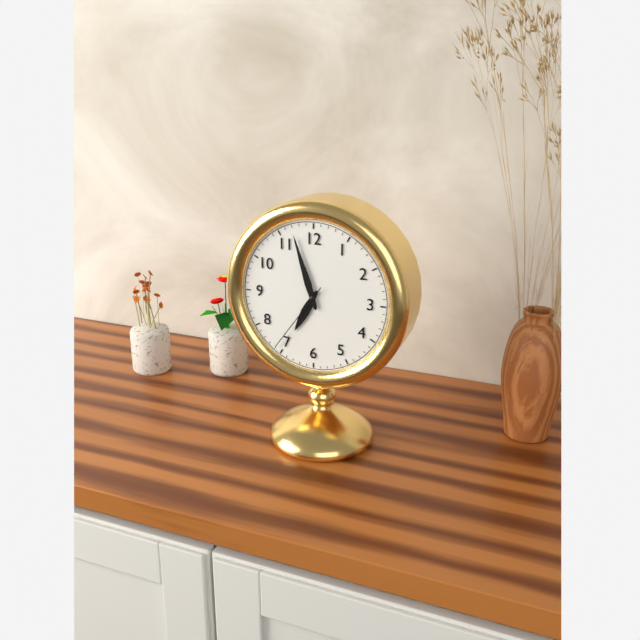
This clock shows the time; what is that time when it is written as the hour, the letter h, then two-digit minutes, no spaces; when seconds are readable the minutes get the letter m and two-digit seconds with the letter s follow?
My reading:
6h57m36s
